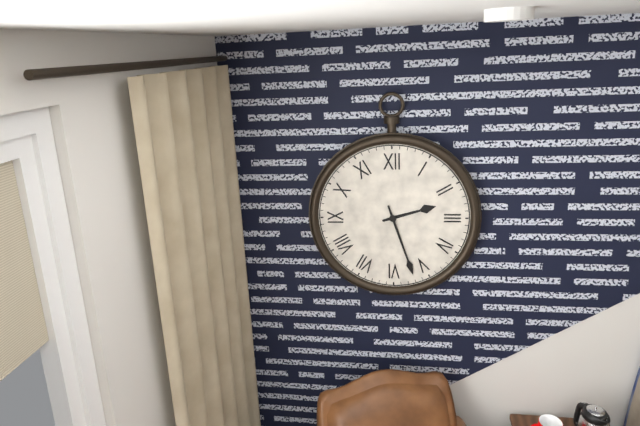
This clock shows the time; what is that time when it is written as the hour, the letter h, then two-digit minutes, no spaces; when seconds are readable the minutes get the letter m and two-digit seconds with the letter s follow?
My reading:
2h27
